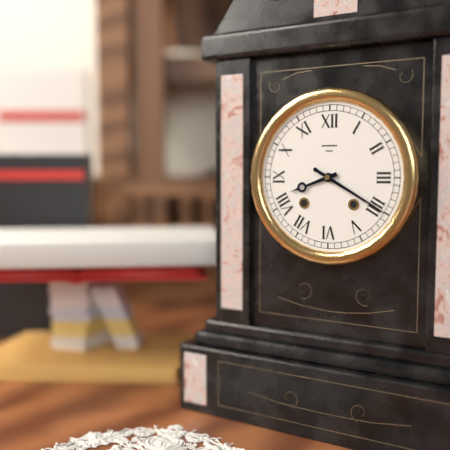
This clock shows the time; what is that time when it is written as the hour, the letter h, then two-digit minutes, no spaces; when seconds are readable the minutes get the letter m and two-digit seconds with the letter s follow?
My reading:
8h20
